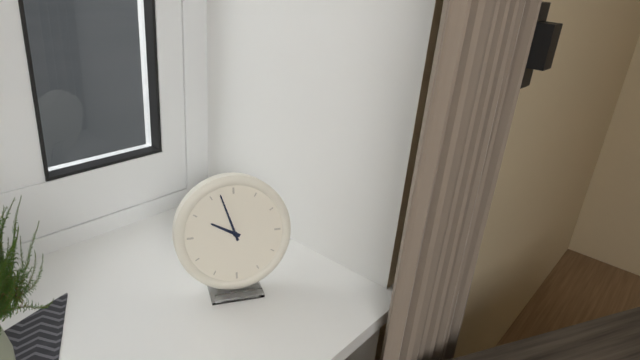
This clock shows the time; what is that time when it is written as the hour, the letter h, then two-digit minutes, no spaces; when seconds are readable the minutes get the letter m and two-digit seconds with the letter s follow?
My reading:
9h57
